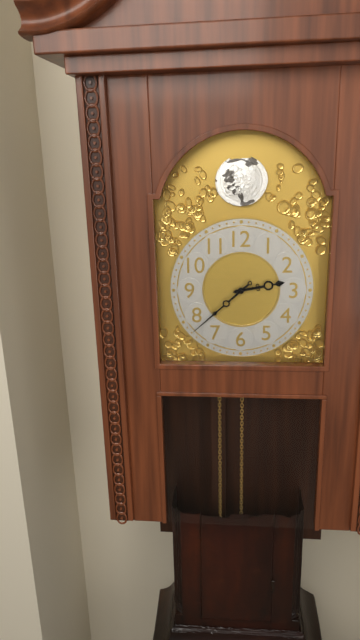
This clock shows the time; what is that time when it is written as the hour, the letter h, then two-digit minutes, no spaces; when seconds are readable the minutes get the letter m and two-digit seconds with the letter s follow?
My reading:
2h38
